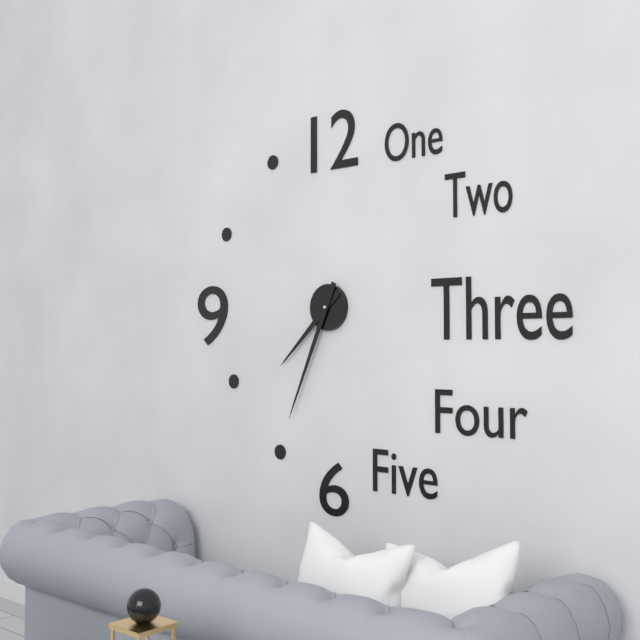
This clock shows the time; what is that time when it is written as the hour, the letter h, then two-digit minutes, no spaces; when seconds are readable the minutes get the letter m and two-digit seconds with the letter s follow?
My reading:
7h34
